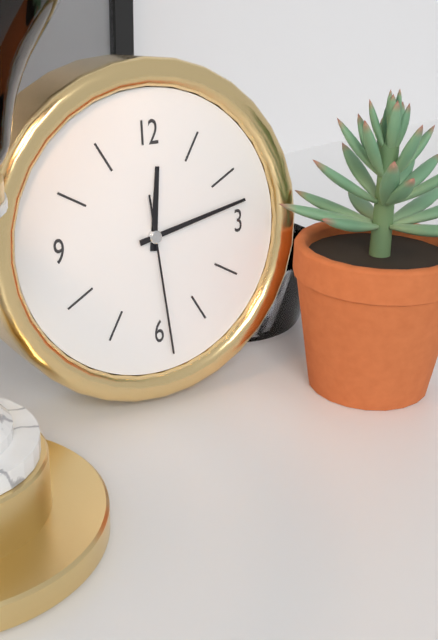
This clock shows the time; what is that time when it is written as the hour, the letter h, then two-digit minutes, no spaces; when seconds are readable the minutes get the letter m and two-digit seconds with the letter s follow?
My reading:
12h13m29s
